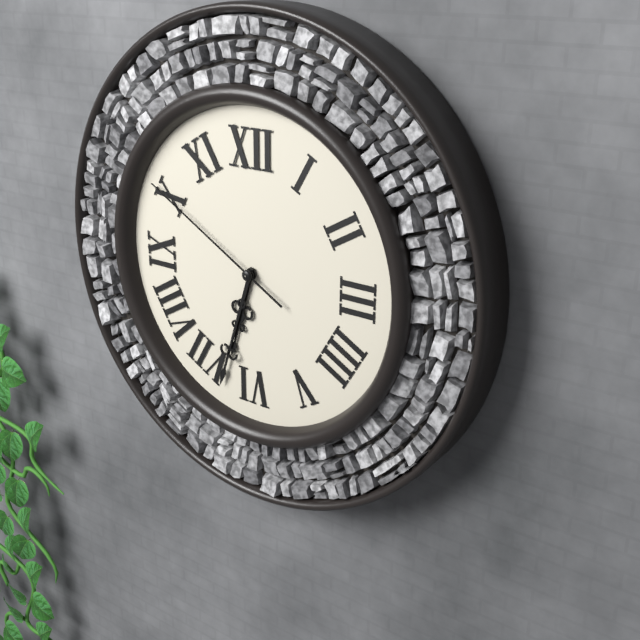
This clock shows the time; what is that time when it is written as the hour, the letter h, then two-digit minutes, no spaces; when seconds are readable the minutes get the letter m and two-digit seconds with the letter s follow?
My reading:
6h33m50s
